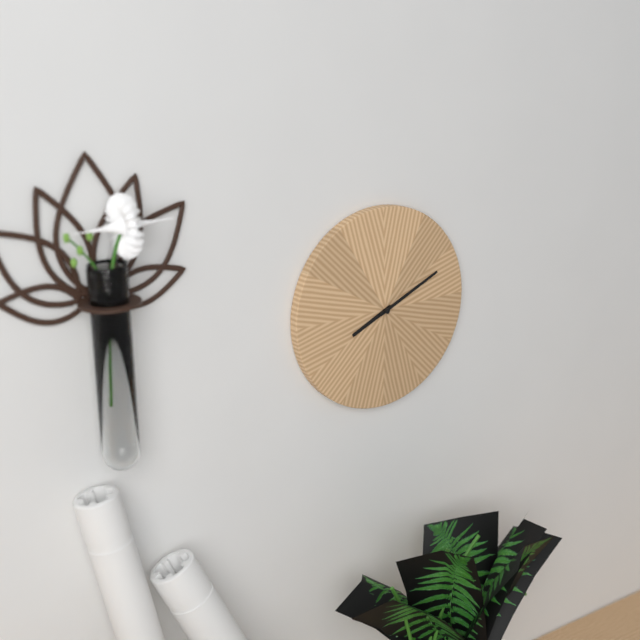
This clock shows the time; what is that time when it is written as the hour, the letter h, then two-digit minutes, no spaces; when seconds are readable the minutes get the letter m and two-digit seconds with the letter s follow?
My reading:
8h11
